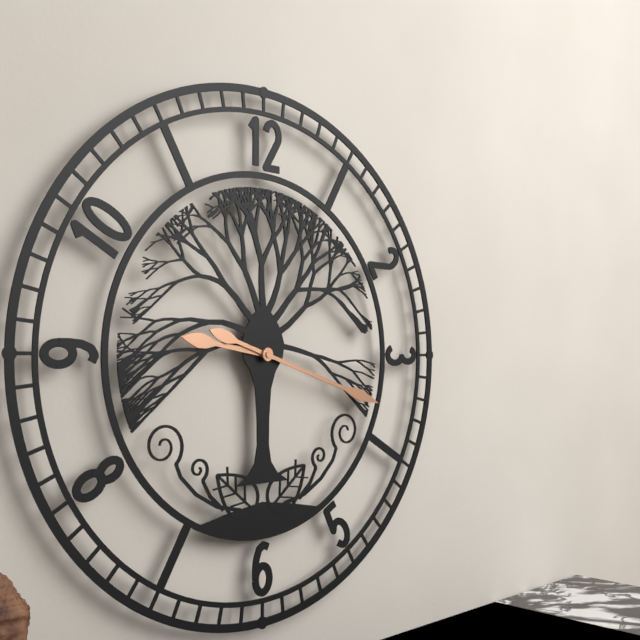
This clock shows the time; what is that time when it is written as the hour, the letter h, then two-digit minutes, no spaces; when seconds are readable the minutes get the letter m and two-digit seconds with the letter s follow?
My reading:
9h18
